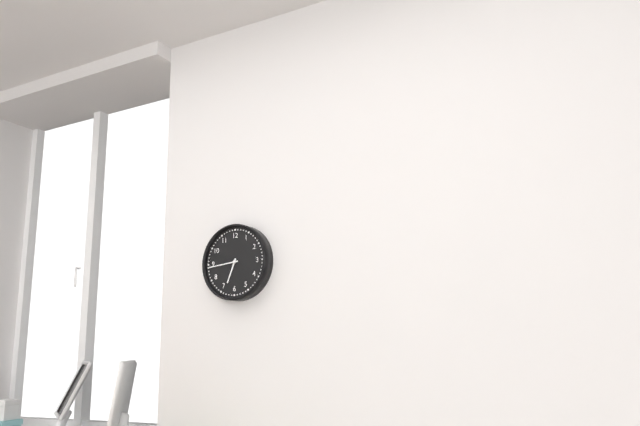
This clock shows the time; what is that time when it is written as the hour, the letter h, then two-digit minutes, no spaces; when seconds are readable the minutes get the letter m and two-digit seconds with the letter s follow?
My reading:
6h44
